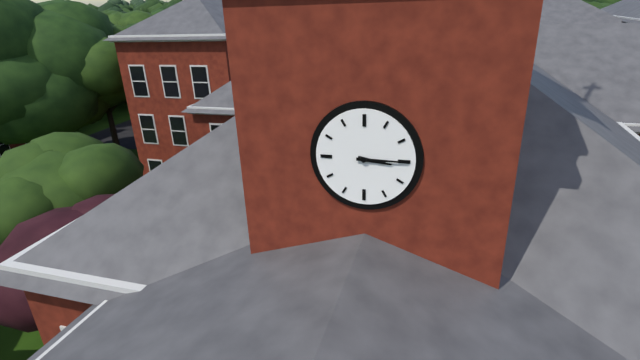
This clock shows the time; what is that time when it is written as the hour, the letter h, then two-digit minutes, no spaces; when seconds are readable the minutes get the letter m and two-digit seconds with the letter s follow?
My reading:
3h15
